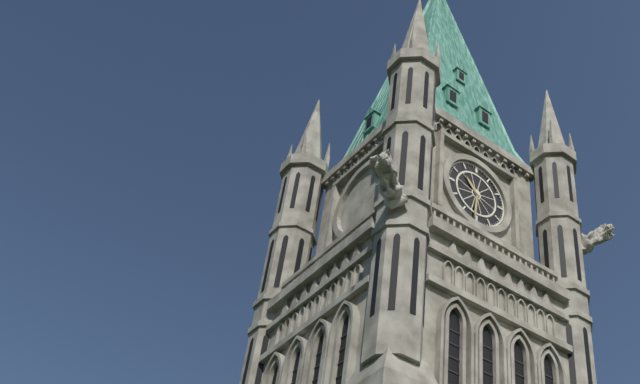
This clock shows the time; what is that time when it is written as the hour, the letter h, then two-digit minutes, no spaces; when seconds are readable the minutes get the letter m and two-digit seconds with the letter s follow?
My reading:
10h31
